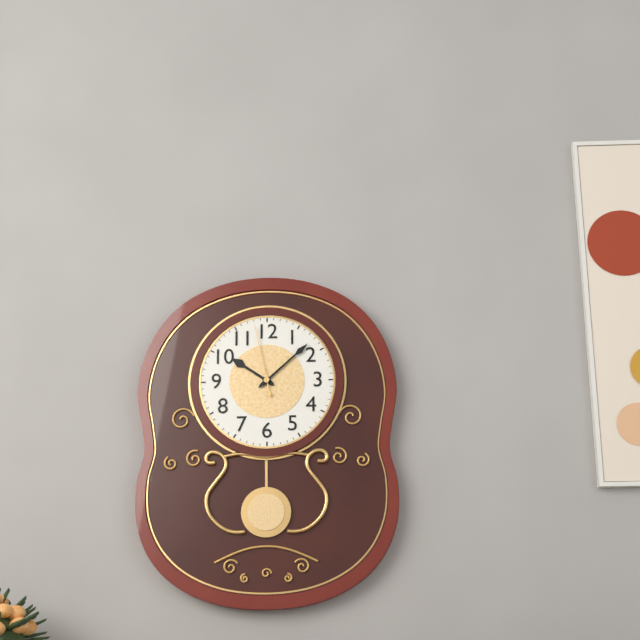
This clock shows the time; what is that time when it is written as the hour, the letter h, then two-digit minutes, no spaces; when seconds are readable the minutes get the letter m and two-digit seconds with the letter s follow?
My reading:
10h08m58s
